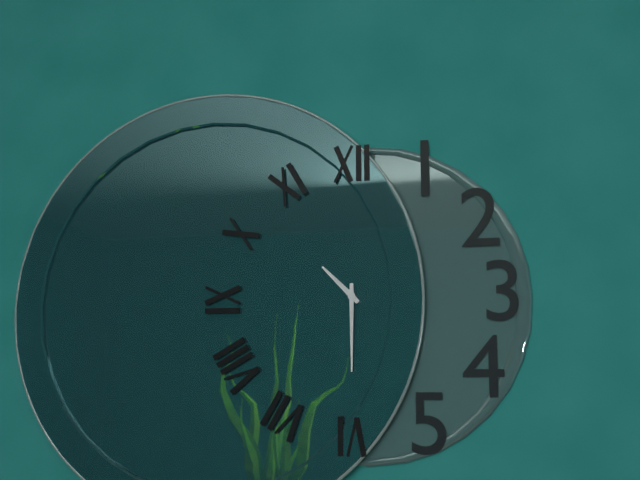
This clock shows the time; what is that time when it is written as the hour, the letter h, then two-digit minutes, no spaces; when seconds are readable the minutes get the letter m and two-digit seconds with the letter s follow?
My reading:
10h30
